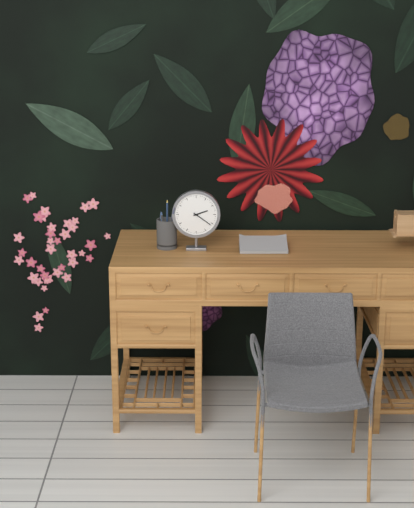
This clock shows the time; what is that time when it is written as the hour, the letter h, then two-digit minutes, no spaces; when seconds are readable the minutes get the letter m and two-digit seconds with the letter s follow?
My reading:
2h21
